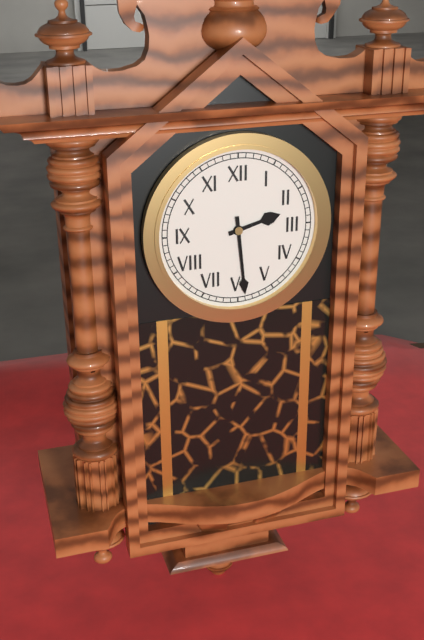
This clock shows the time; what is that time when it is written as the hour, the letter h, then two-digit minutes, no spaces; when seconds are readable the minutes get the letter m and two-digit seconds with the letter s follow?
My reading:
2h29
